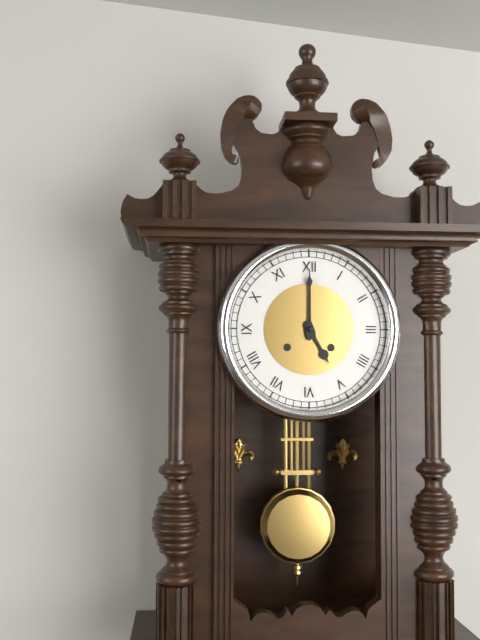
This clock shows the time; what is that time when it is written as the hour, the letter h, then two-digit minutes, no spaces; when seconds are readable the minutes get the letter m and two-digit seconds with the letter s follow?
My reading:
5h00
